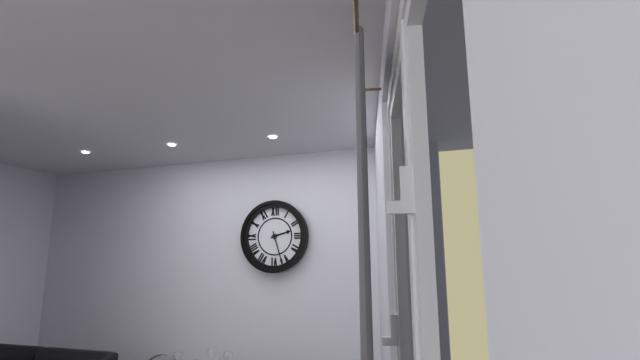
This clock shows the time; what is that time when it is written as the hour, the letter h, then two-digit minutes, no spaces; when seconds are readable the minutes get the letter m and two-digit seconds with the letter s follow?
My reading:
2h27
